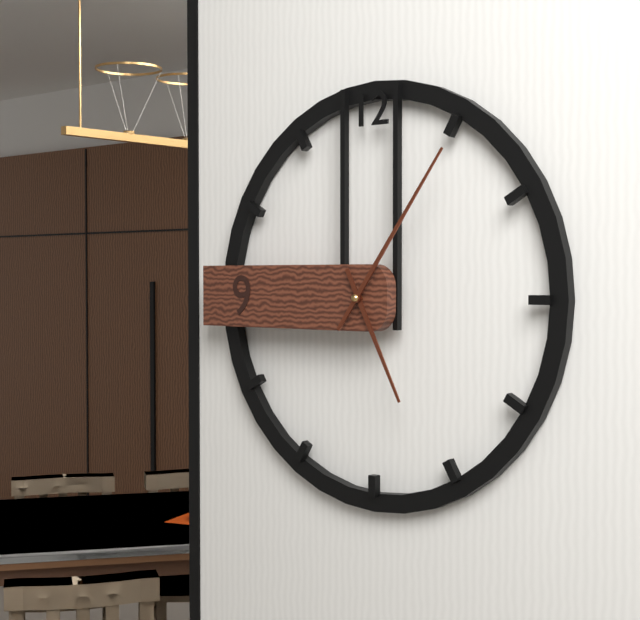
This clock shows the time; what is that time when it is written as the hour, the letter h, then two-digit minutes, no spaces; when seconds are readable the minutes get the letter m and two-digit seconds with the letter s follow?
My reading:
5h06
